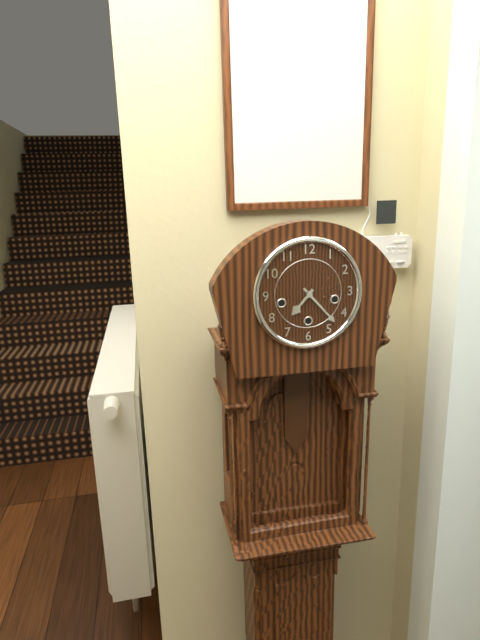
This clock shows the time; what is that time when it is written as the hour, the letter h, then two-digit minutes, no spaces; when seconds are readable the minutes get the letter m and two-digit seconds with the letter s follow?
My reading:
7h23
